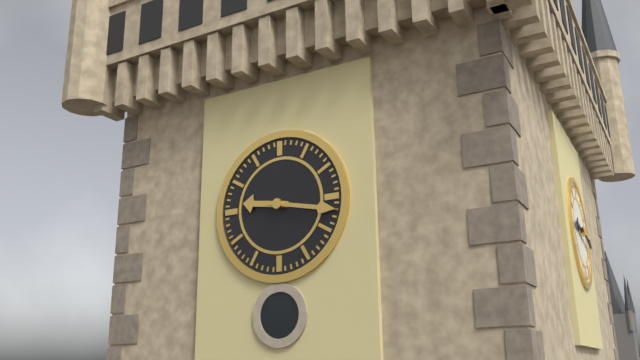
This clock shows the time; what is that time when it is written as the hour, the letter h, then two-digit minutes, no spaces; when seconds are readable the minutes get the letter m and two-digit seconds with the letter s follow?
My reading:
9h17
